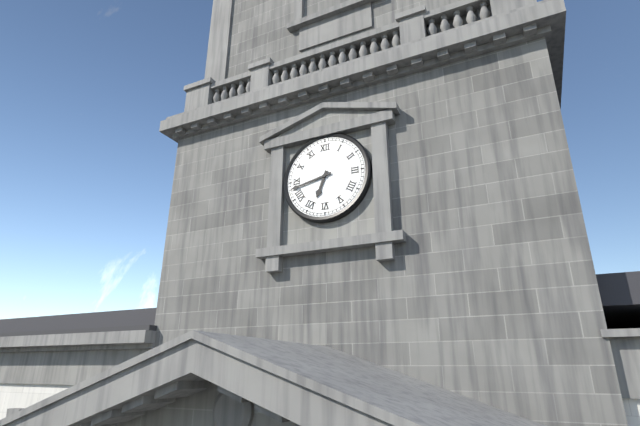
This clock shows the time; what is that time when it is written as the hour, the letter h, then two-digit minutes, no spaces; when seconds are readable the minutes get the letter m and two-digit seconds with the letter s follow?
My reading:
6h43
